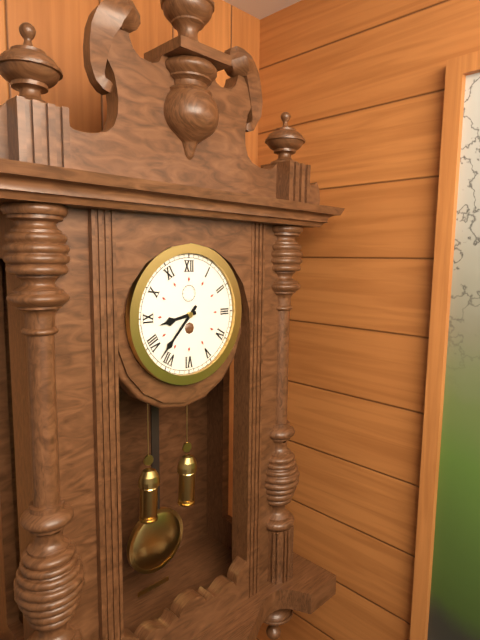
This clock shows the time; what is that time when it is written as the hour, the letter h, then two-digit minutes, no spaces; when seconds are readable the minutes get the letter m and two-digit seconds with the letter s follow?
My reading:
8h37
